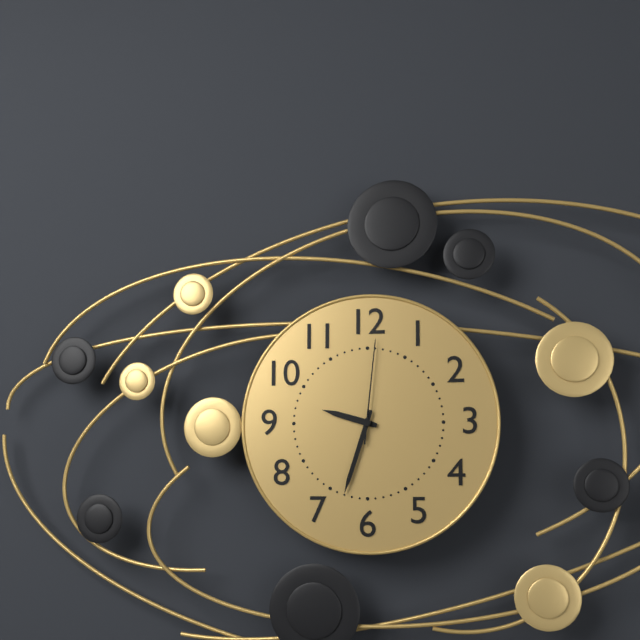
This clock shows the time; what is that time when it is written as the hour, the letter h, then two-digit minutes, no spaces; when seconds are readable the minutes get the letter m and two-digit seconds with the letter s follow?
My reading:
9h33m01s
